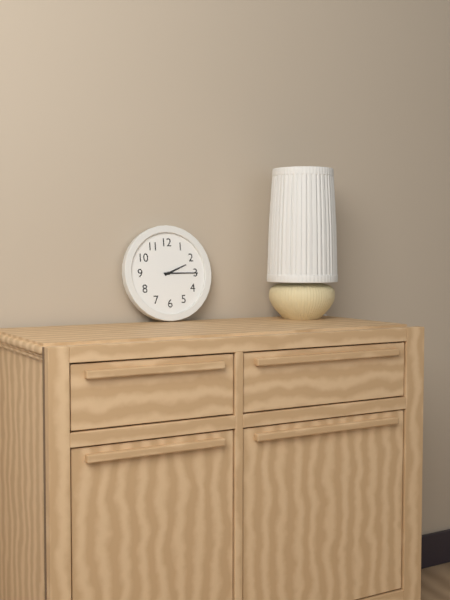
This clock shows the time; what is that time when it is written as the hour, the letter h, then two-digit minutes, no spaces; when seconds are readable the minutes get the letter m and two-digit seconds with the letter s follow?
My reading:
2h15
